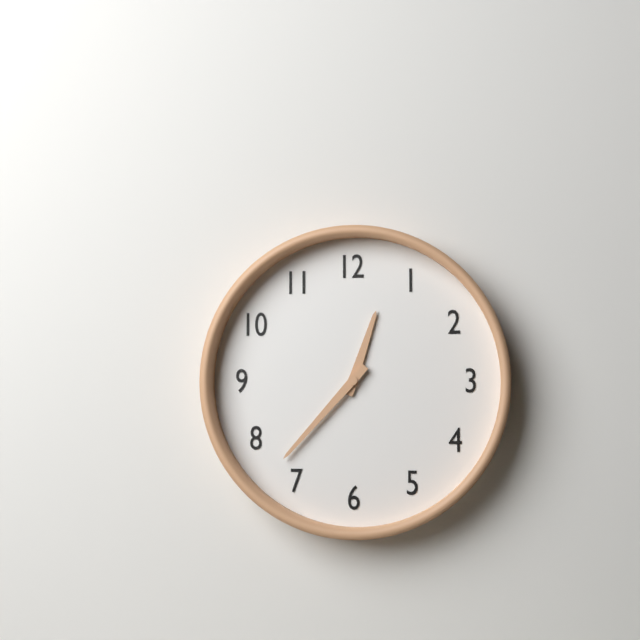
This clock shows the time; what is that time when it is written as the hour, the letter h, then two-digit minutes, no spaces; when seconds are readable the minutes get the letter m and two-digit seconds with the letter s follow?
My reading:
12h37
